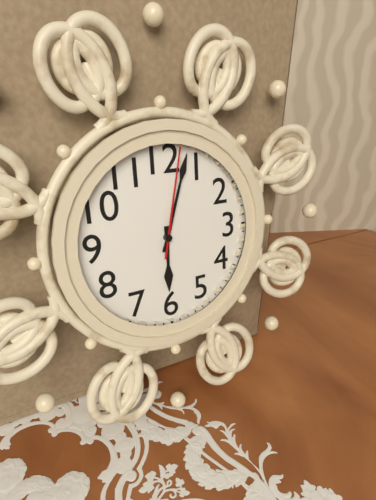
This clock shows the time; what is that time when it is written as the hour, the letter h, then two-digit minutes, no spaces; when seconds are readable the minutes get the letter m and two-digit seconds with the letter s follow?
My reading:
6h03m02s
